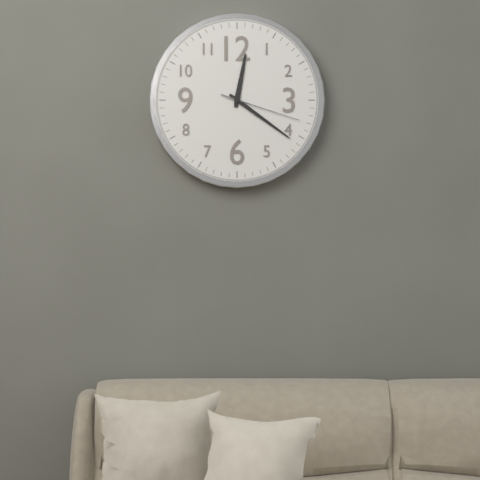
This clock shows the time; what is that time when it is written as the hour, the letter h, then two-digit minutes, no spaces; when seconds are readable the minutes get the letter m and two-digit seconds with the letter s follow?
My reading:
12h21m18s
